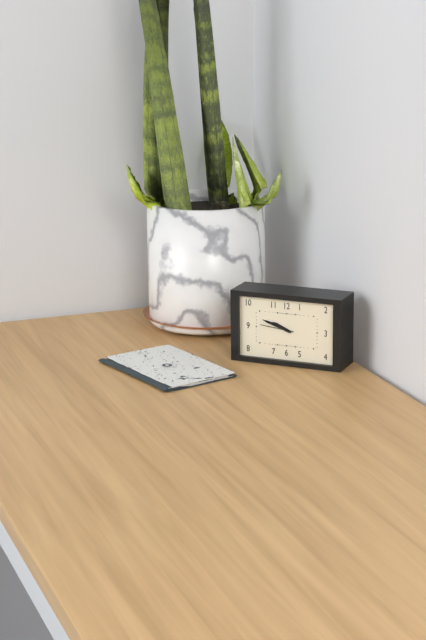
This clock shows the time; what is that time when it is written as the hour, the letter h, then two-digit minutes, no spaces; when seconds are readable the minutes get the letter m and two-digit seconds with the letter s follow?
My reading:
9h48
